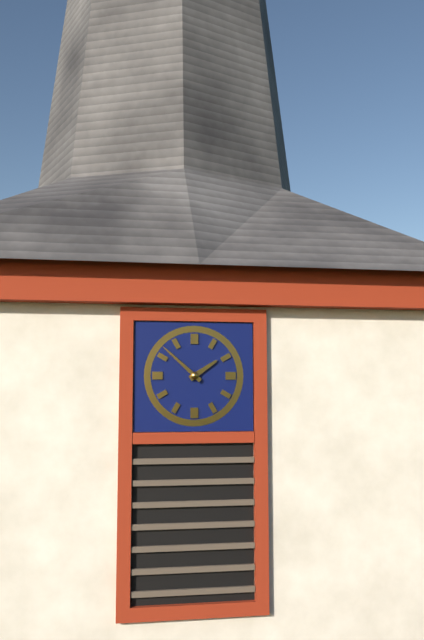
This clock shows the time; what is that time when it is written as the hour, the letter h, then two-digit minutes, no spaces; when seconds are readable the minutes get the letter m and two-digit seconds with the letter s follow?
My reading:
1h52
